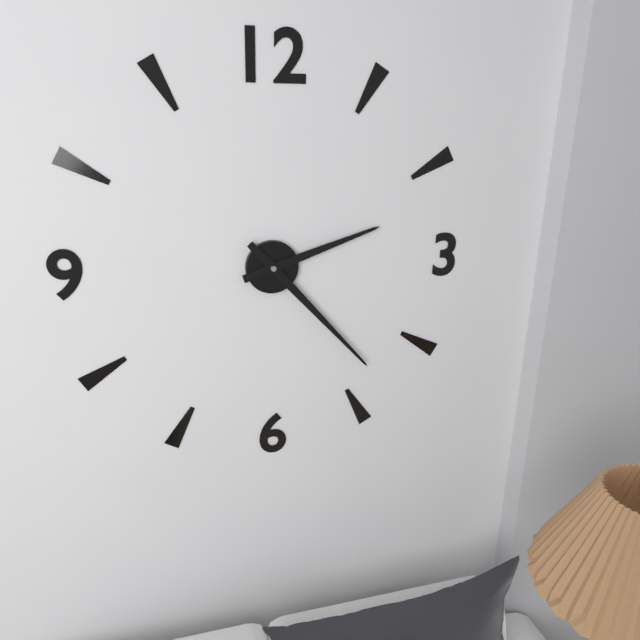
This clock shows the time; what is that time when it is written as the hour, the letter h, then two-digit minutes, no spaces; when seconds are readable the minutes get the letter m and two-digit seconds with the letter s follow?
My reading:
2h23
